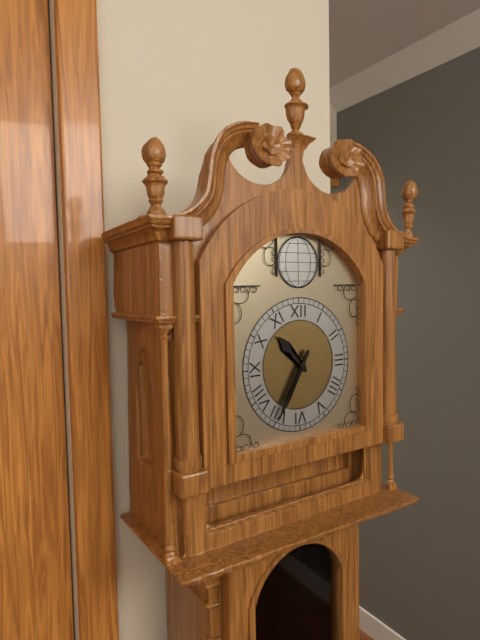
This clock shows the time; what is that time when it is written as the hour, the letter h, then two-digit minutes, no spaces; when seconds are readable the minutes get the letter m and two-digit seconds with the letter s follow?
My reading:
10h35
